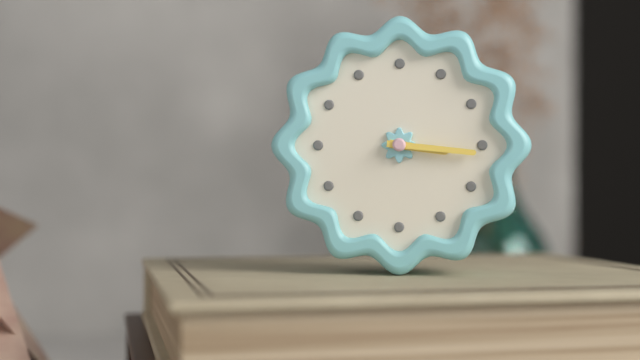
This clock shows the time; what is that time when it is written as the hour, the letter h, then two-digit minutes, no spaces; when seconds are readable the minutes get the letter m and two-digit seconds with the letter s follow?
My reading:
3h16
